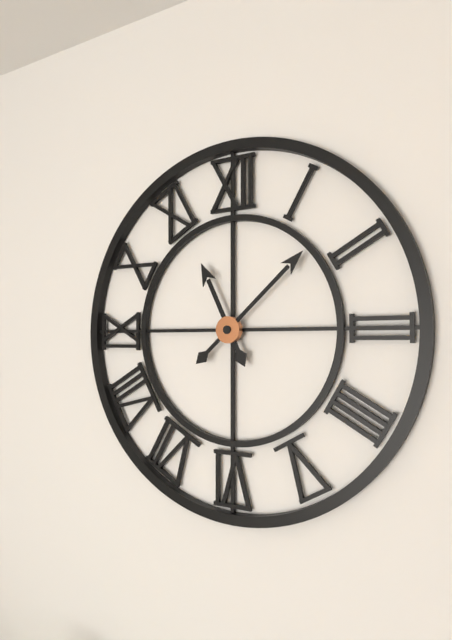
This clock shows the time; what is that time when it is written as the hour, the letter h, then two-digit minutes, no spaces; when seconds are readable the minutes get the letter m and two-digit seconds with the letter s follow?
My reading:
11h08
